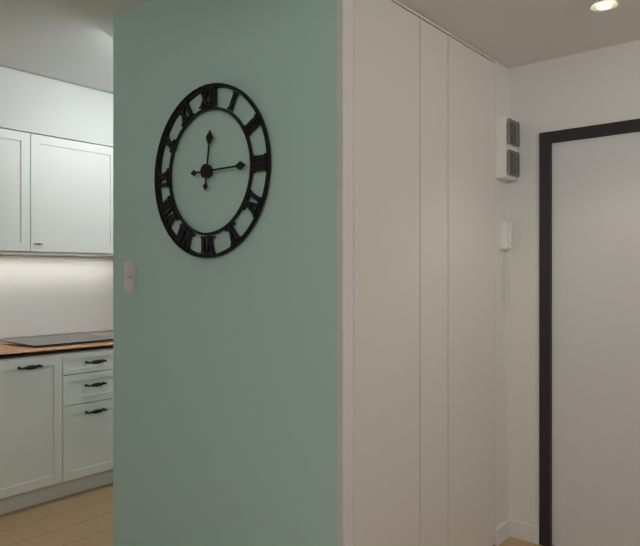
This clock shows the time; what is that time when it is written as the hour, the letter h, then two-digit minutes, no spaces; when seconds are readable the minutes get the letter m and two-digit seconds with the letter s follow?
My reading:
12h15
